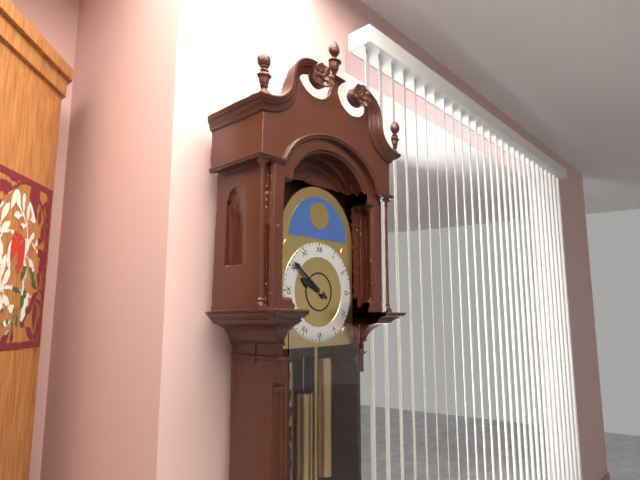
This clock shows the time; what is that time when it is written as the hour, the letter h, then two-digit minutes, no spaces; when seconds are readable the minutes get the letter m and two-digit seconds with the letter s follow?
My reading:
9h51
